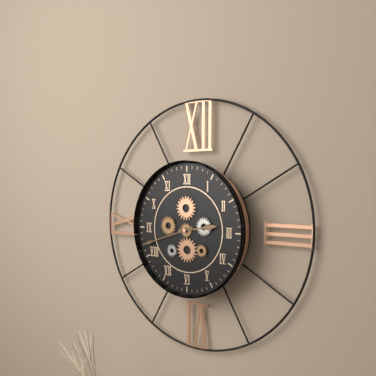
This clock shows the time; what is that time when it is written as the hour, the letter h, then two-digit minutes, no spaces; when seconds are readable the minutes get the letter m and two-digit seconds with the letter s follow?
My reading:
2h42
